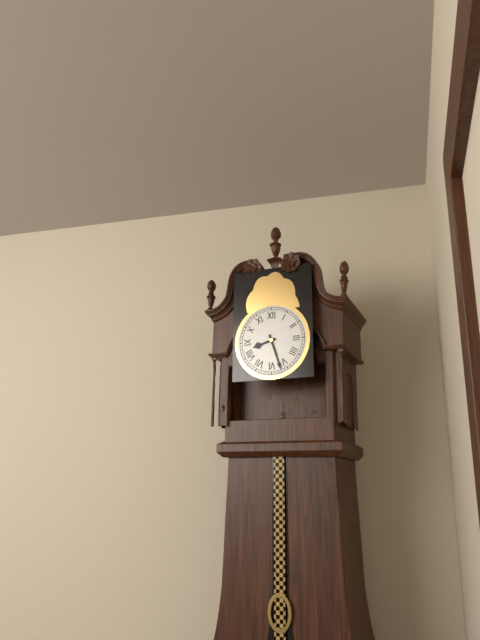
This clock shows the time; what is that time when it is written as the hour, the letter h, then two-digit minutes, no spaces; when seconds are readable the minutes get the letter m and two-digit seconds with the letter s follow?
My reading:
8h27
